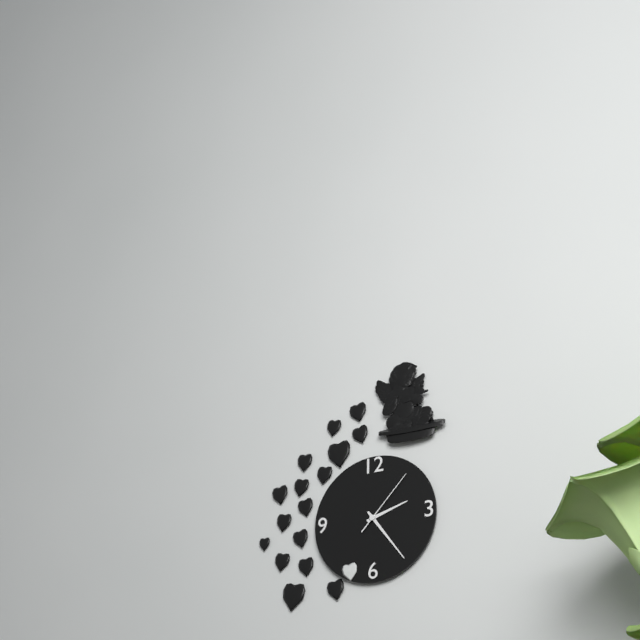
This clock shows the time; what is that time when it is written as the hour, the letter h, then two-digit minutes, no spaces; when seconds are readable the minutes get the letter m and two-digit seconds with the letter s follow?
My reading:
2h24m07s
